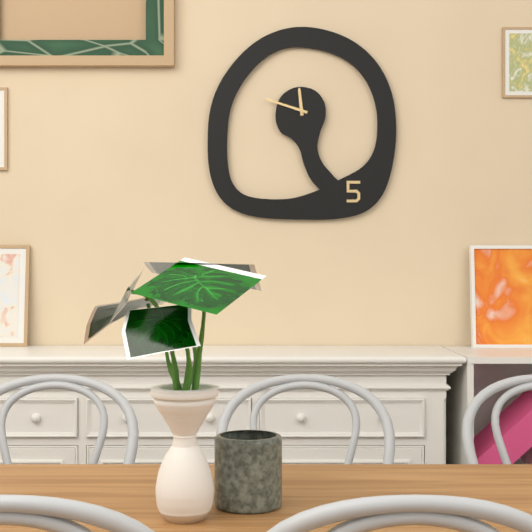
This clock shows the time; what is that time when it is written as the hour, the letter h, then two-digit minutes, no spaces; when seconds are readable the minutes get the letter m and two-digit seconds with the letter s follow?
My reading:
11h48
